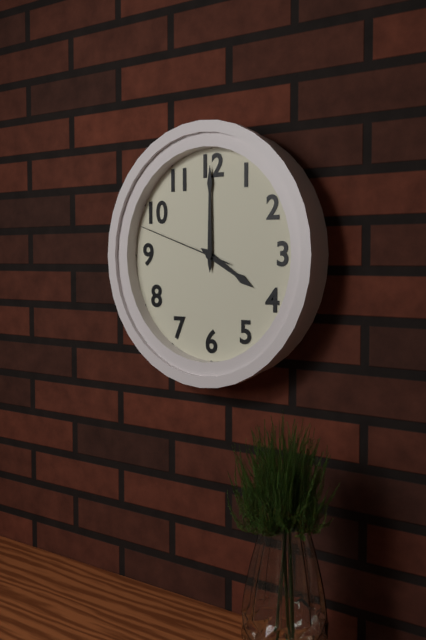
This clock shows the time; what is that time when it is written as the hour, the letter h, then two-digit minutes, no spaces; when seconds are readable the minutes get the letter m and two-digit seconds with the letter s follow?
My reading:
4h00m48s
